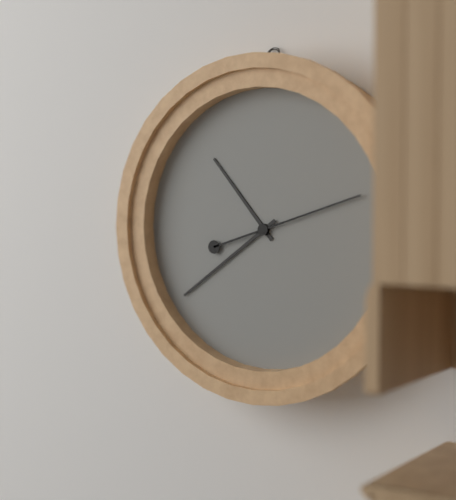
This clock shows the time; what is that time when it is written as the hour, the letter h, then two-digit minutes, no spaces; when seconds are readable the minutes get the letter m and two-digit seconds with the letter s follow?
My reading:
10h39m12s
